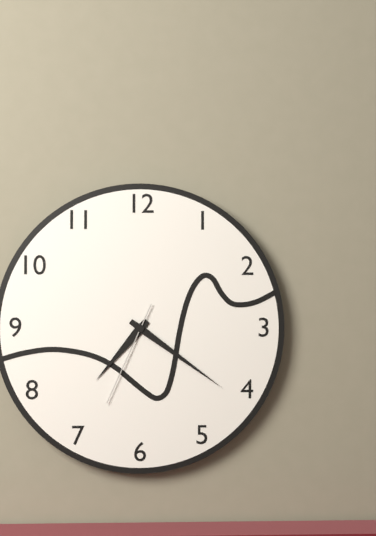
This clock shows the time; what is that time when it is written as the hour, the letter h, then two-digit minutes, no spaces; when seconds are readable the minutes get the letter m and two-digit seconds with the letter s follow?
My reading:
7h21m34s
